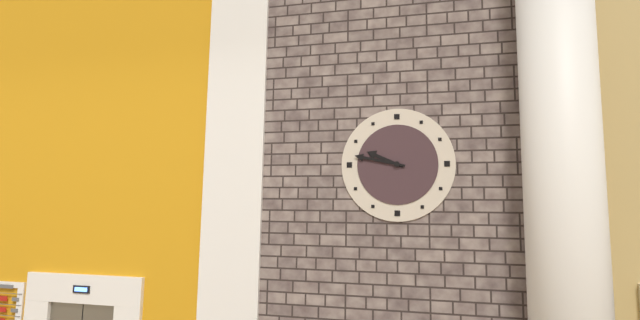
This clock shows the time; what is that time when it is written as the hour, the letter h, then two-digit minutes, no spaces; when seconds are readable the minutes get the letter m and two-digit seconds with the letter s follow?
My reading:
9h47
